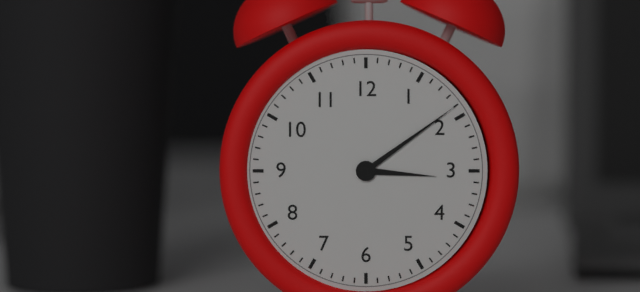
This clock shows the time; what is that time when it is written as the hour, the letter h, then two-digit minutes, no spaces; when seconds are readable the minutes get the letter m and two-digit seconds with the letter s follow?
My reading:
3h09
